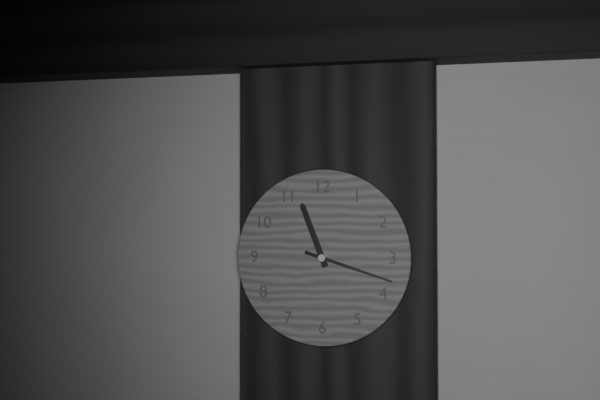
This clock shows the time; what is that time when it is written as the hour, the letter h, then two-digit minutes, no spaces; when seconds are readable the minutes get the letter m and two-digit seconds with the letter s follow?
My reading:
11h18
